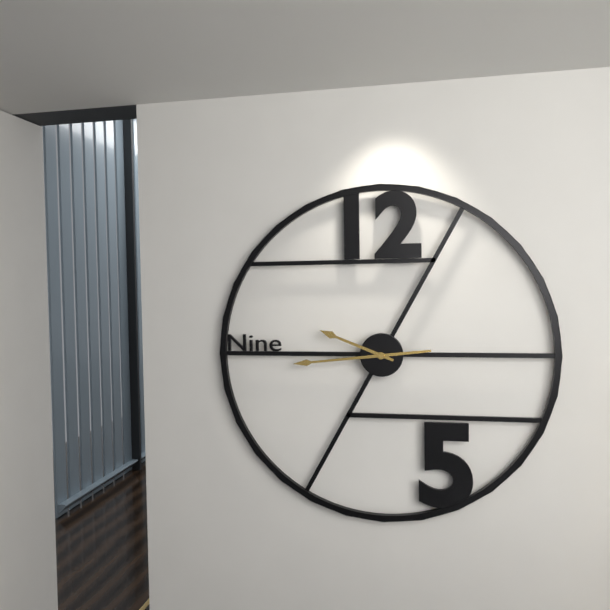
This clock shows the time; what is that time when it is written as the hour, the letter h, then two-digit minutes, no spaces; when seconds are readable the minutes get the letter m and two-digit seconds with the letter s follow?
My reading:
9h44
